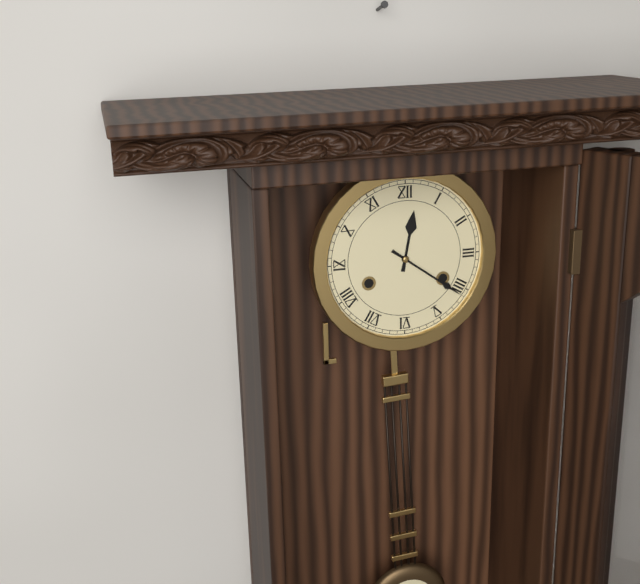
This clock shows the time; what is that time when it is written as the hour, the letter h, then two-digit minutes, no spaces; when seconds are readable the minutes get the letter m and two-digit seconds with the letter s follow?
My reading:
12h21
